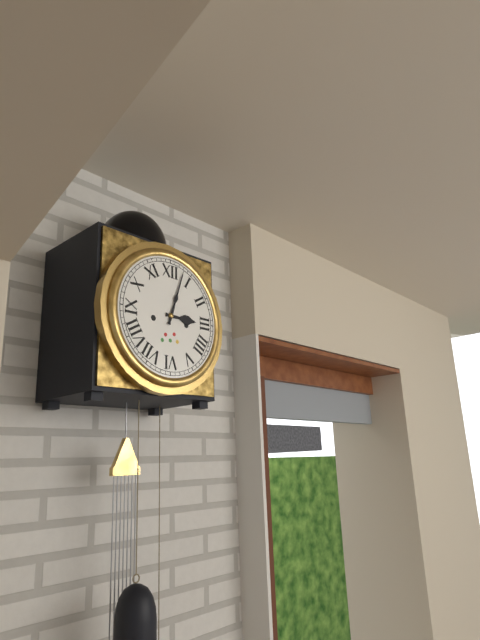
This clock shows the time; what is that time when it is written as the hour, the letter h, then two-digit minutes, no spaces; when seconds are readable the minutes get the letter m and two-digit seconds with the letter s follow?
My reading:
3h03
